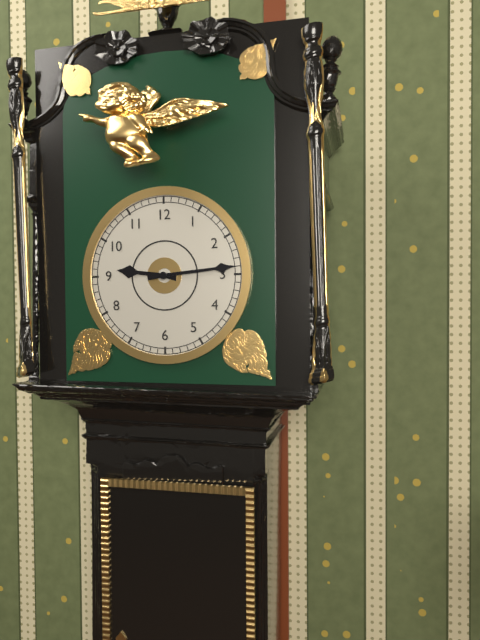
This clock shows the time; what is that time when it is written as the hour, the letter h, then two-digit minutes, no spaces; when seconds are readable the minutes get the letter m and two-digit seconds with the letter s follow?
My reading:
9h14
